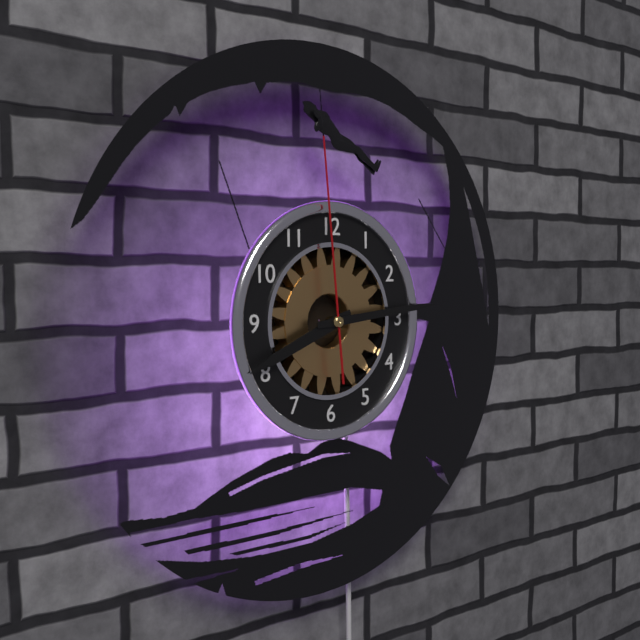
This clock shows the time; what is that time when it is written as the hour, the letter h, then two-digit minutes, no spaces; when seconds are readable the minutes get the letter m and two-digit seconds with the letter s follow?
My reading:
8h14m59s
